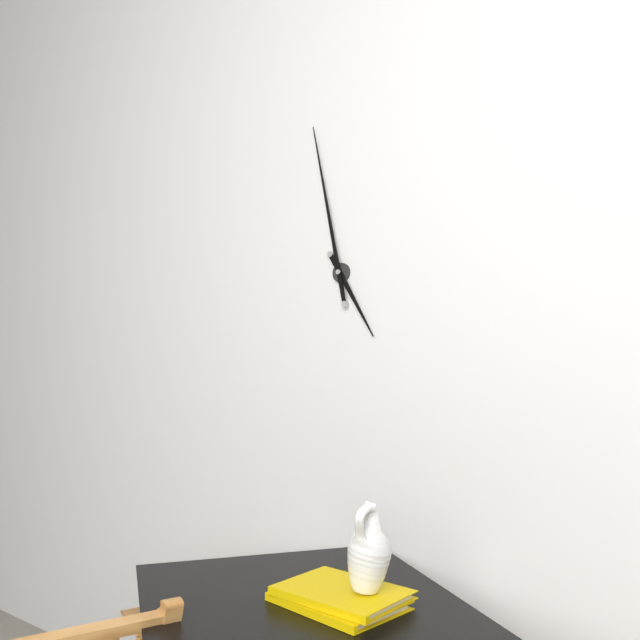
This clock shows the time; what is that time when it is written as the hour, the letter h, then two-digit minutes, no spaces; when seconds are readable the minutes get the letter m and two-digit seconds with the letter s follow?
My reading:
4h58
